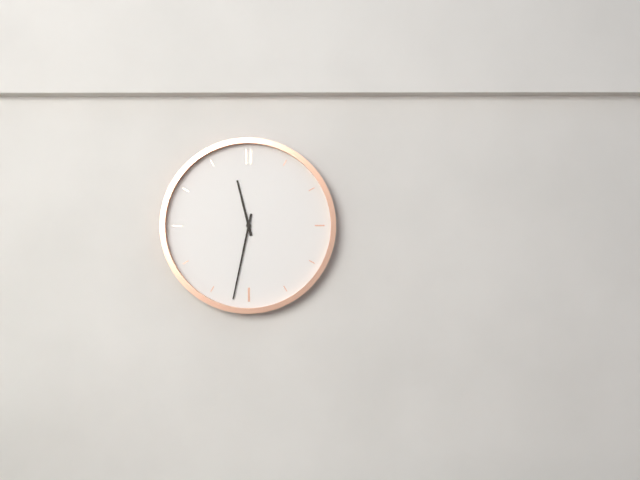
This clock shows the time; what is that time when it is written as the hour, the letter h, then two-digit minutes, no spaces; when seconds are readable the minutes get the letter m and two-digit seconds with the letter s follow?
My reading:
11h32
